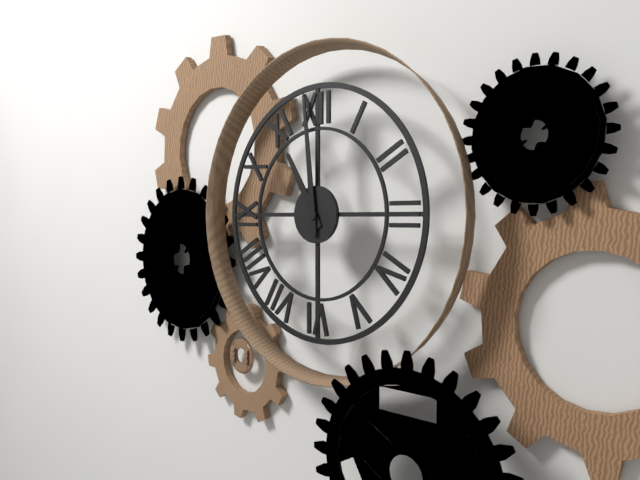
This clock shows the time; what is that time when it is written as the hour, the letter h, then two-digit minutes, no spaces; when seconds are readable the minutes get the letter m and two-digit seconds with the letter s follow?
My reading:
10h59
